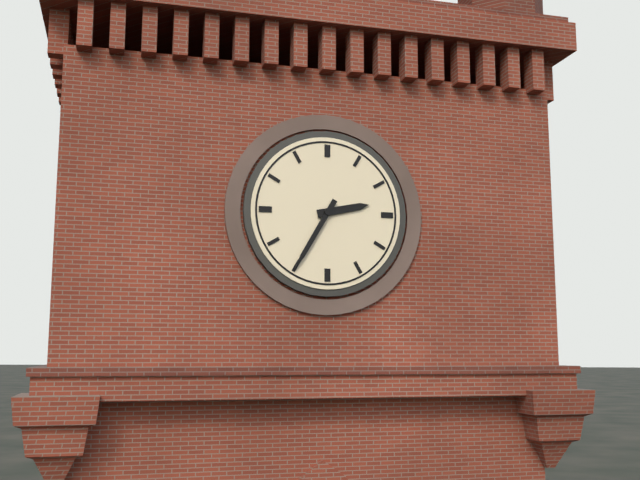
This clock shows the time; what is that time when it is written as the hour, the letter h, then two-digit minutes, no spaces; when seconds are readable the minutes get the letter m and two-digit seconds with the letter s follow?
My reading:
2h35
